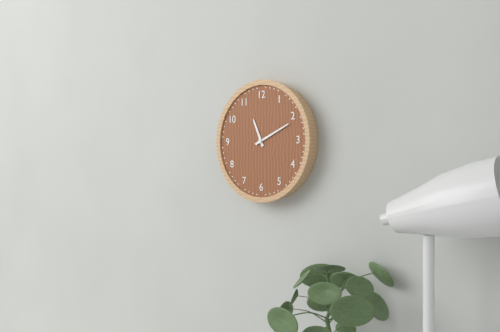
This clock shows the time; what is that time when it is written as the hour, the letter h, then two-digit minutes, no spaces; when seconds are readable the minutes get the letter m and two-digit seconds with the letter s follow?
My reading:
11h11
